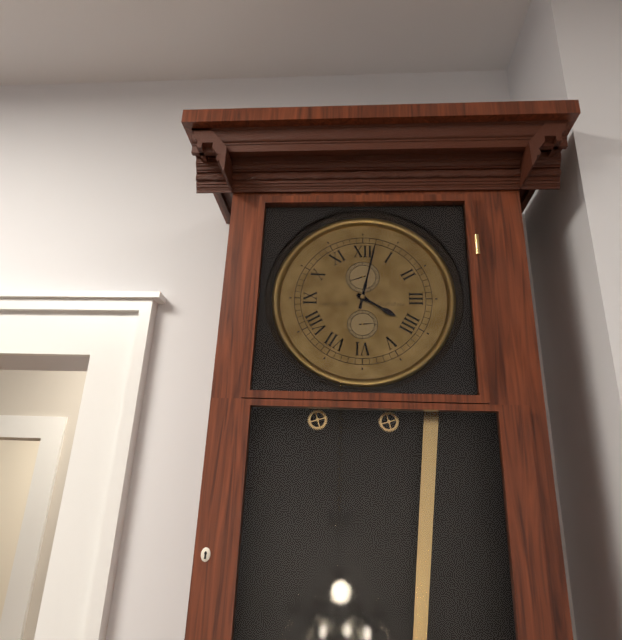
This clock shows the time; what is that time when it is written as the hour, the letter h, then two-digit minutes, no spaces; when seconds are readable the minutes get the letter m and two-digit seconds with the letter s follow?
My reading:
4h02
